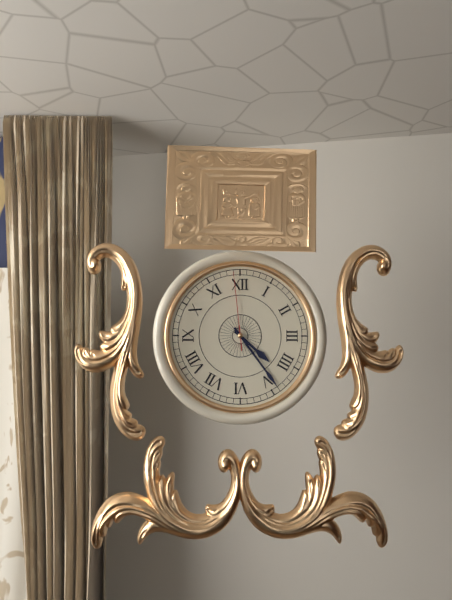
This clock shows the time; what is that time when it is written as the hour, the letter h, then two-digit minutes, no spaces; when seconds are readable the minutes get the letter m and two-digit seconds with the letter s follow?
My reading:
4h24m59s
